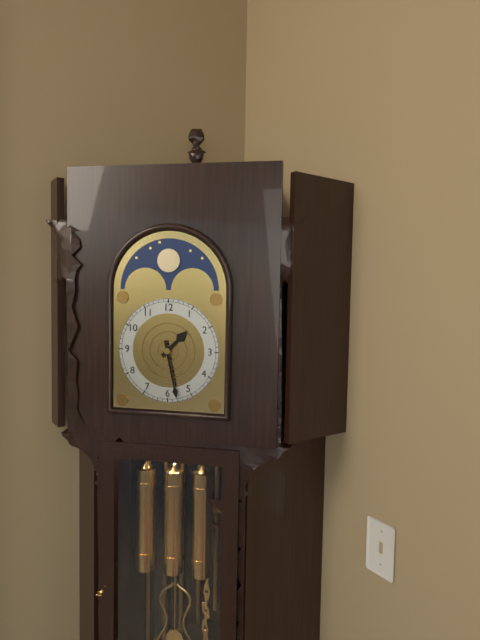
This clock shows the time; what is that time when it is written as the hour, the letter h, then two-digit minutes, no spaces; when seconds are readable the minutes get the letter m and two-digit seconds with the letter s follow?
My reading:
1h28
